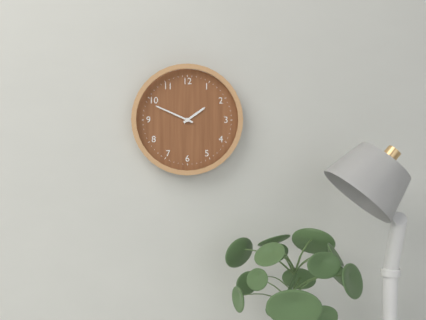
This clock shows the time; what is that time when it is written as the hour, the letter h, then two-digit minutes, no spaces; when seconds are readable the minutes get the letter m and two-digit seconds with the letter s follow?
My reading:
1h49
